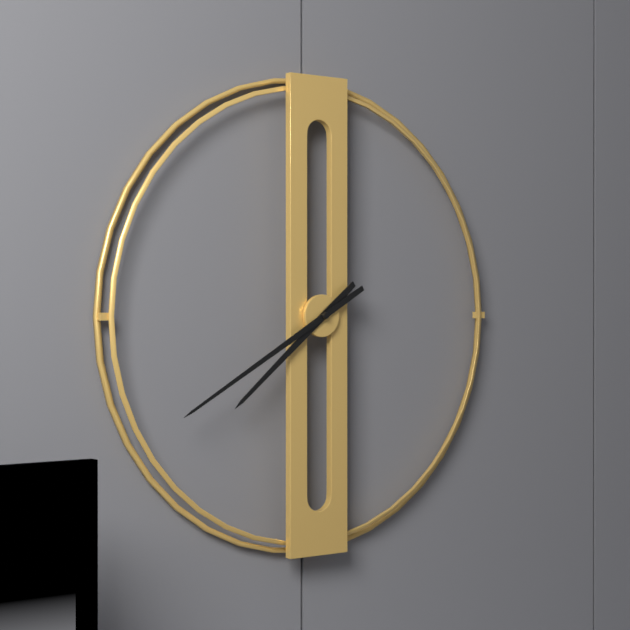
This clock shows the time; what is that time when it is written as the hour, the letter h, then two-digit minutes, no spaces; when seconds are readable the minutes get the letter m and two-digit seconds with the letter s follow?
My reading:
7h40
